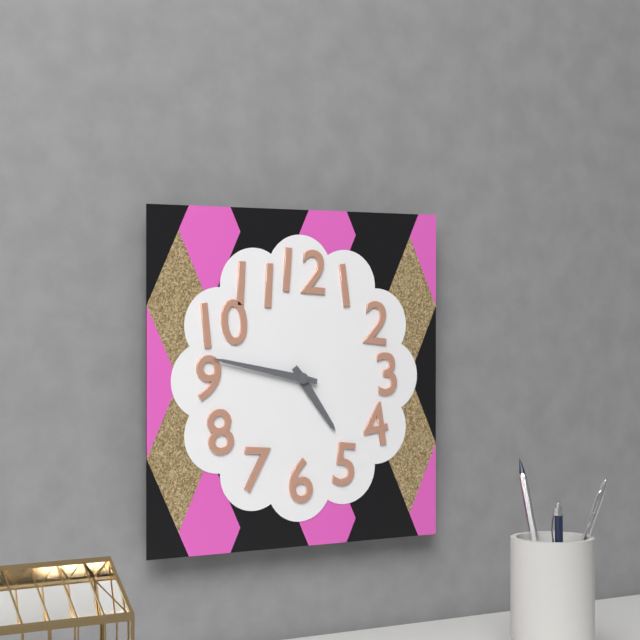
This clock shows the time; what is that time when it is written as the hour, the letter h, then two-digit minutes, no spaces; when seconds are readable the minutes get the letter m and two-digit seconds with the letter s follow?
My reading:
4h47
